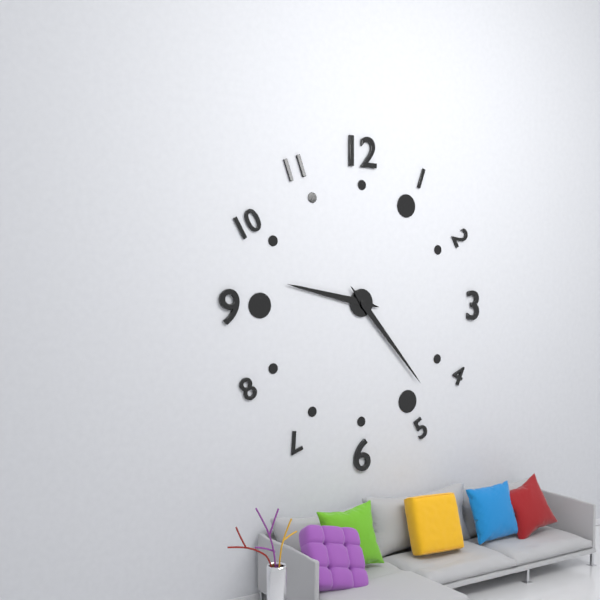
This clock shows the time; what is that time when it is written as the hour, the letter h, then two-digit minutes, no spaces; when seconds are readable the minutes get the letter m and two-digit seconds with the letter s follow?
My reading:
9h23
